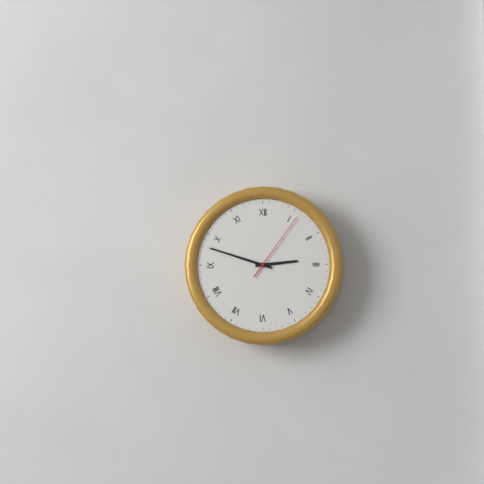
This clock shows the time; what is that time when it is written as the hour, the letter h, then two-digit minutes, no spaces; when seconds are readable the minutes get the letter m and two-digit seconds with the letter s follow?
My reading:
2h48m06s
